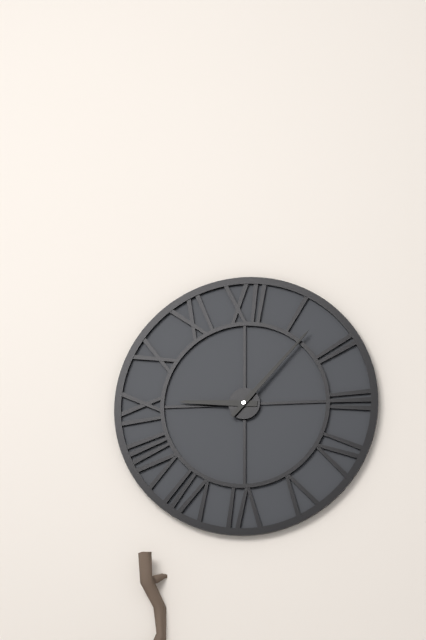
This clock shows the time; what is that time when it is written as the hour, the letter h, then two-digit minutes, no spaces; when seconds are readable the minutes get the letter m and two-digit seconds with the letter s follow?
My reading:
9h07
